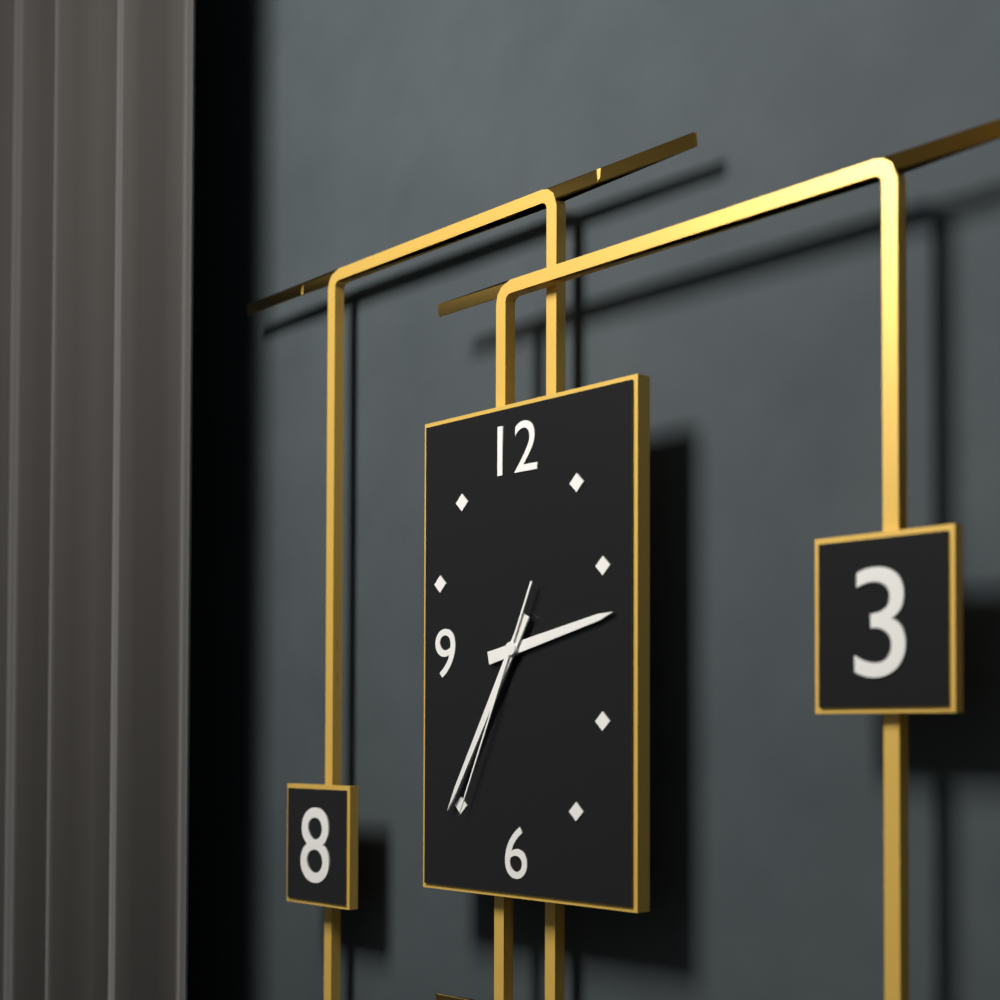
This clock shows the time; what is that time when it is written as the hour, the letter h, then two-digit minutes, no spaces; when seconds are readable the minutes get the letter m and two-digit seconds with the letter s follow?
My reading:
2h35m34s
